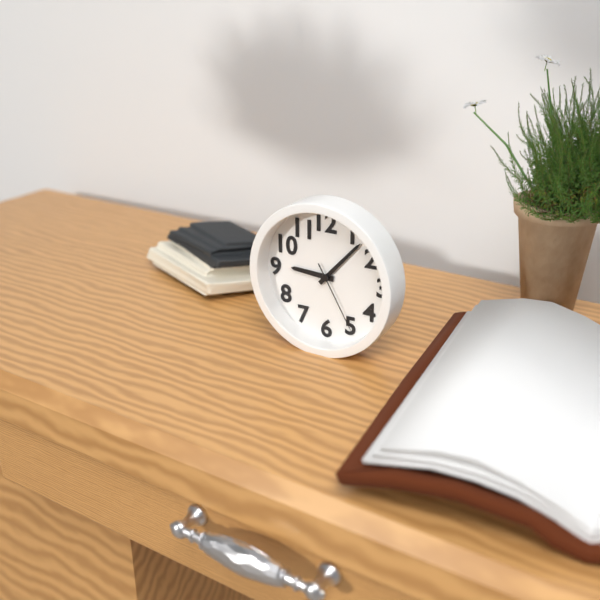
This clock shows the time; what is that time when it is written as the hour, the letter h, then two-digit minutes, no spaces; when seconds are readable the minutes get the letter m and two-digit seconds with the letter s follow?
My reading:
9h07m25s
